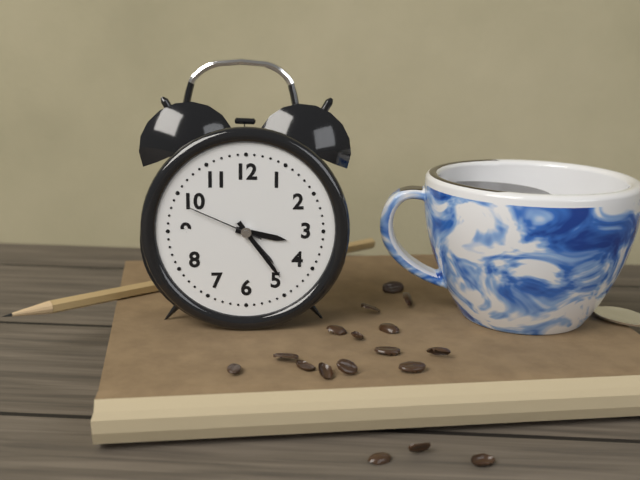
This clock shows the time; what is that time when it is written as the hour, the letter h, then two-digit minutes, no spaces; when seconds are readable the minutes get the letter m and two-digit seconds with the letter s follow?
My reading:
3h24m49s
